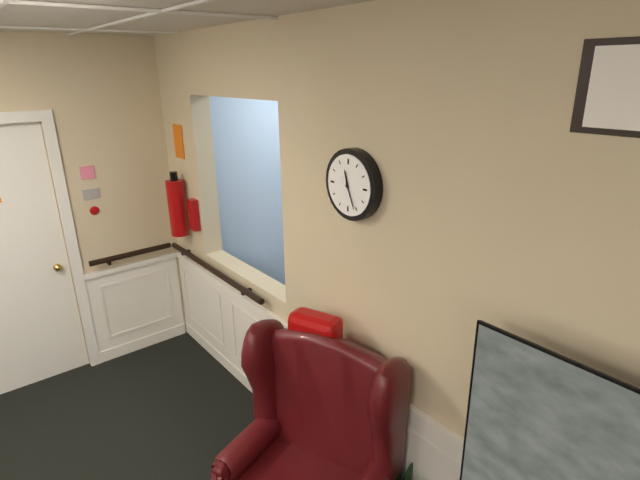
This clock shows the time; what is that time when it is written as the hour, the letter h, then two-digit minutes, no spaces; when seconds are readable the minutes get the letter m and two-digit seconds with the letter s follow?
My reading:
11h26
